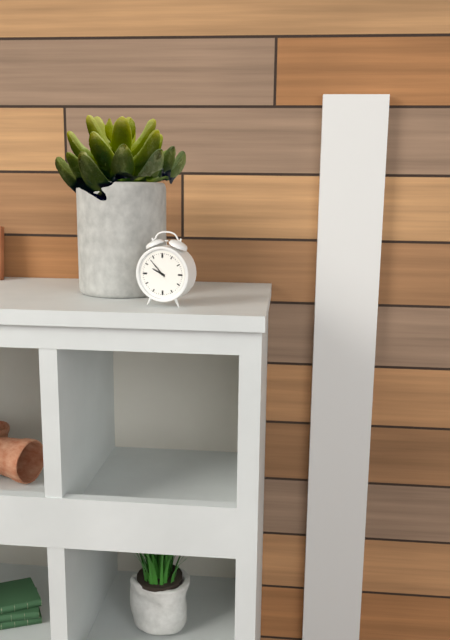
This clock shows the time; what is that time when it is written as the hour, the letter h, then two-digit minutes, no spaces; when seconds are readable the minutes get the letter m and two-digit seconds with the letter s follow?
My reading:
9h53
